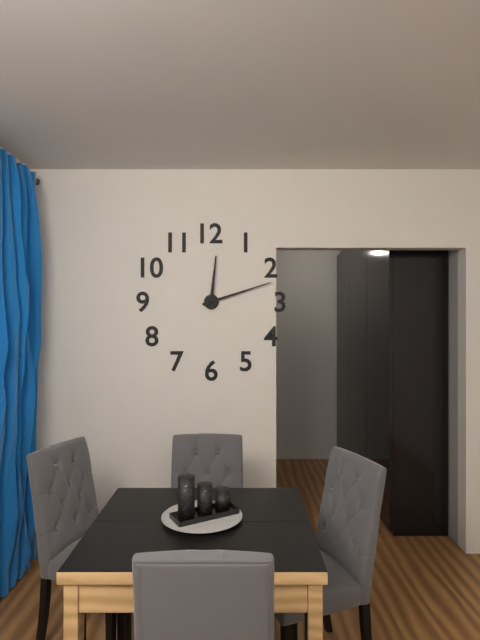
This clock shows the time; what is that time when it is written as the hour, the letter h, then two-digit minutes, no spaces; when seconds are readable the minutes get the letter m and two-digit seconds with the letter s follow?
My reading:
12h12
